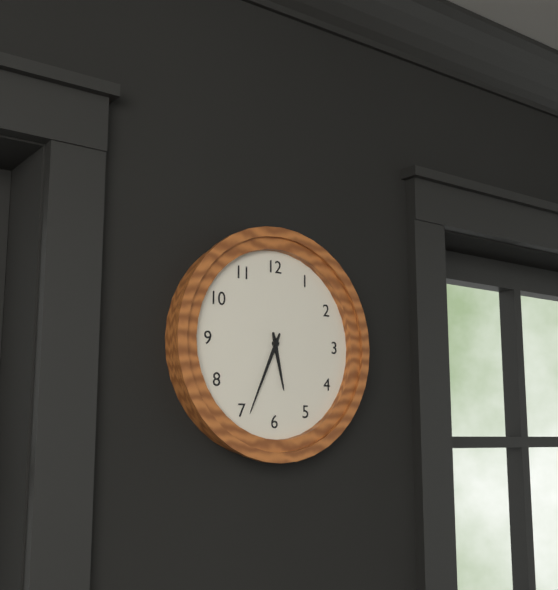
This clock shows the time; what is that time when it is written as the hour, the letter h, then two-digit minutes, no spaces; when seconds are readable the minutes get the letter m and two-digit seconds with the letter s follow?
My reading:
5h34
